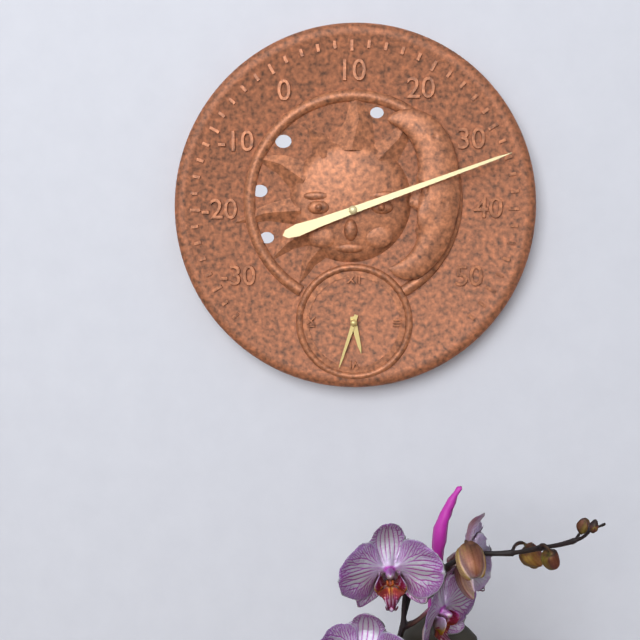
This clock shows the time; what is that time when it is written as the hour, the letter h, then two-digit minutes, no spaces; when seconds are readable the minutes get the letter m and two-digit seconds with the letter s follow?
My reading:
5h33
